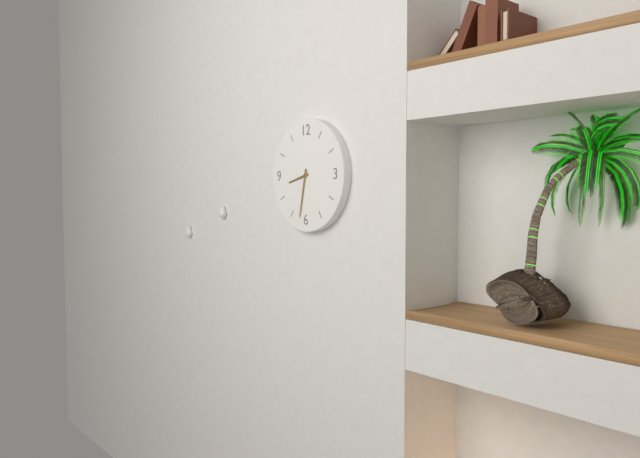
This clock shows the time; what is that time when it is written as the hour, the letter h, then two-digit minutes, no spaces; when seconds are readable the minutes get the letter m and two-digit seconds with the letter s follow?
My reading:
8h32
